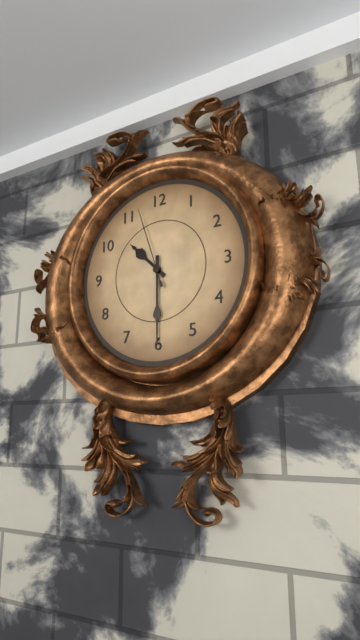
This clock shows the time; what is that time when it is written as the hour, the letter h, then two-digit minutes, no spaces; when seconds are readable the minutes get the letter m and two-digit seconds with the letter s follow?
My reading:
10h30m57s
